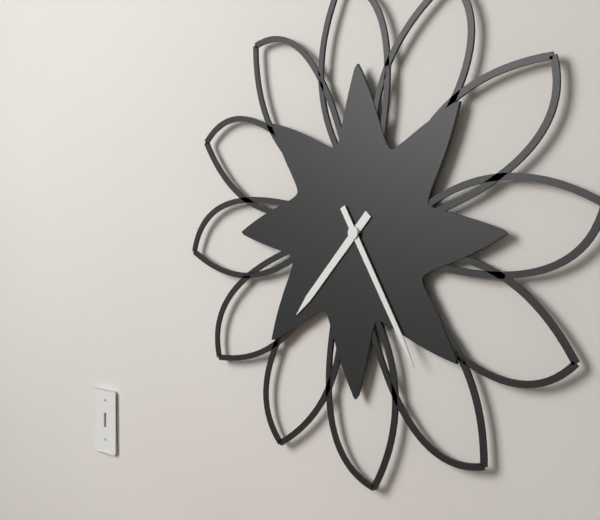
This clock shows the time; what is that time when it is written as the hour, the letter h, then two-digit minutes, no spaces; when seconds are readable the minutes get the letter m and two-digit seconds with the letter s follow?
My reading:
7h25
